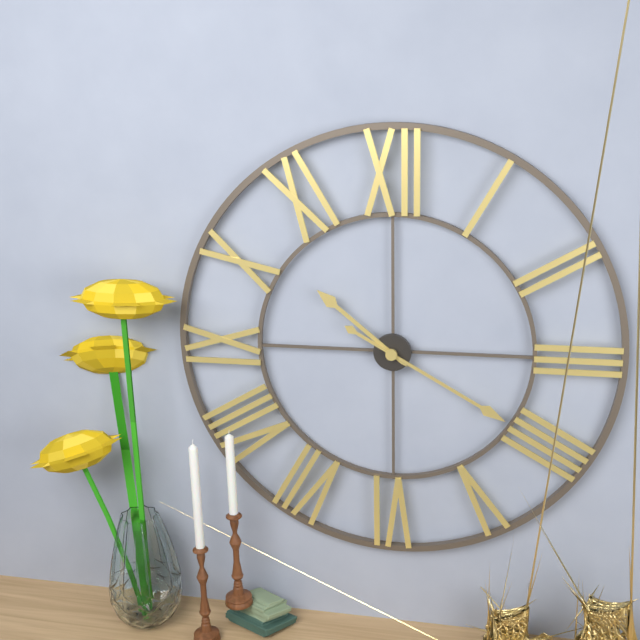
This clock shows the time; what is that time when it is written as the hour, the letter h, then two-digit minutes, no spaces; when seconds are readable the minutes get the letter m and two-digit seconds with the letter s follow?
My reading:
10h20
